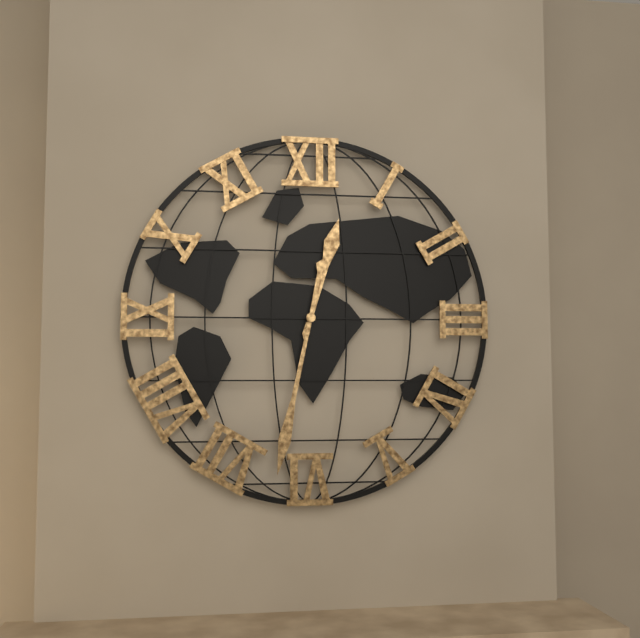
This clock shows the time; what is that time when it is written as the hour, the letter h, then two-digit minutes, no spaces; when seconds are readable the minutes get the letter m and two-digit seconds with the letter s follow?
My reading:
12h32
